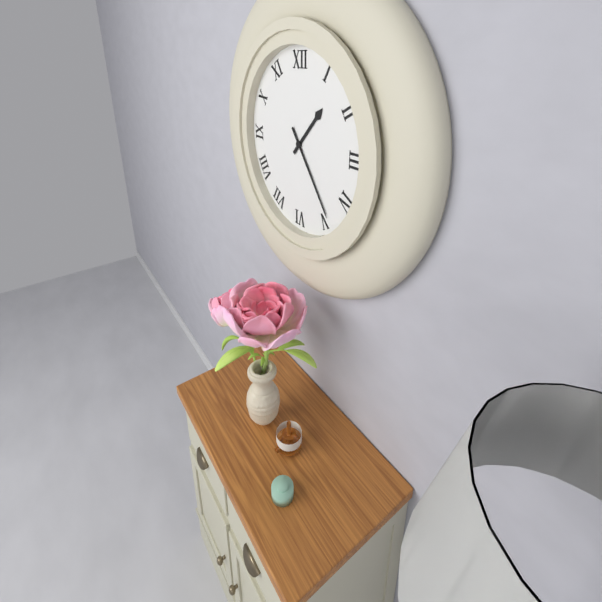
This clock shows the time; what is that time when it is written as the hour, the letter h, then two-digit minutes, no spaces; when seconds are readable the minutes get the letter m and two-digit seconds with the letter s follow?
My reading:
1h24
